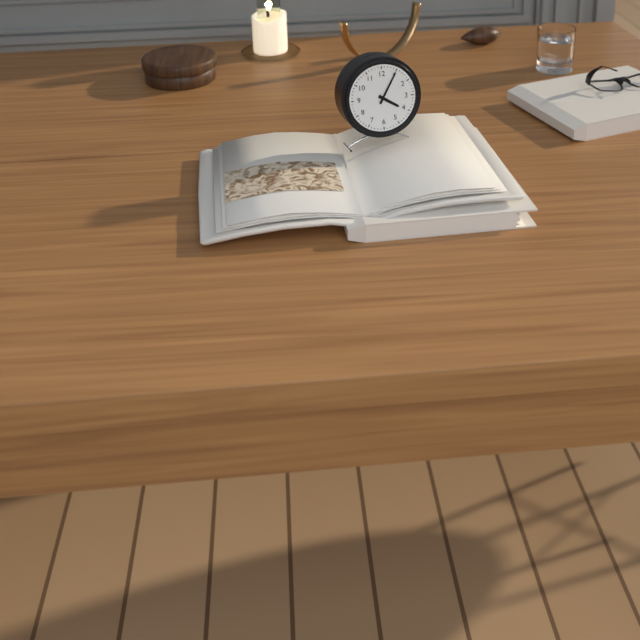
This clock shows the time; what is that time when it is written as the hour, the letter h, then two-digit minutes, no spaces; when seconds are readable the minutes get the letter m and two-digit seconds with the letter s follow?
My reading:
4h05
